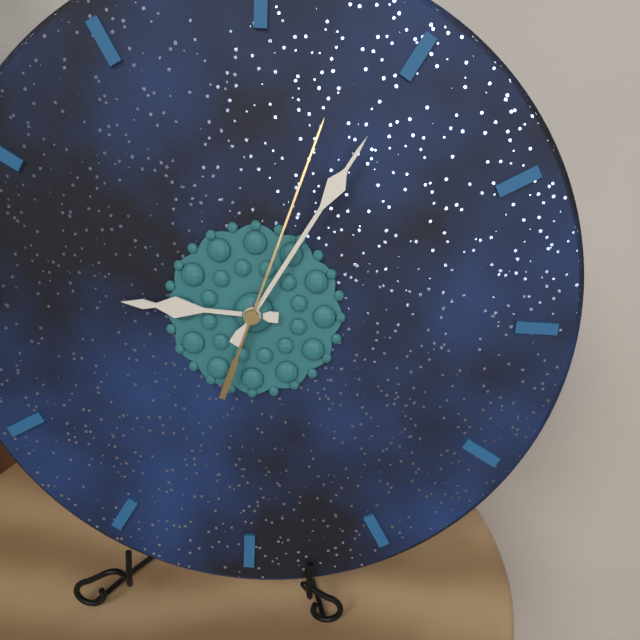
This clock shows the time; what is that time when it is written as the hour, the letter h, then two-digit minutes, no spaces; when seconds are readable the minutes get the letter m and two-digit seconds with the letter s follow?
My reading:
9h05m03s
